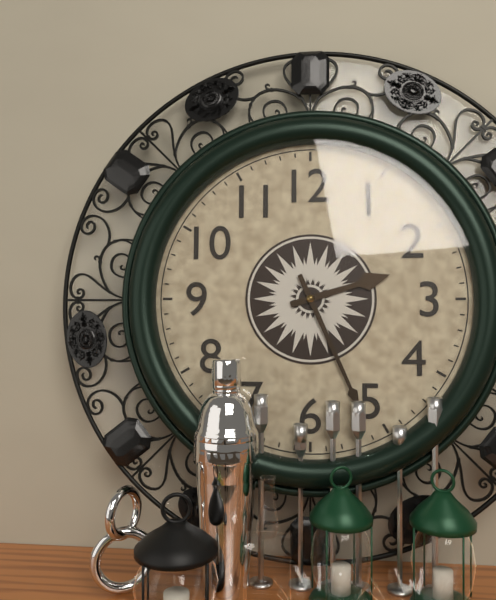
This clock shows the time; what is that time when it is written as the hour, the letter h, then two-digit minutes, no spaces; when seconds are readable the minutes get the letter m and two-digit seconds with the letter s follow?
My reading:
2h26
